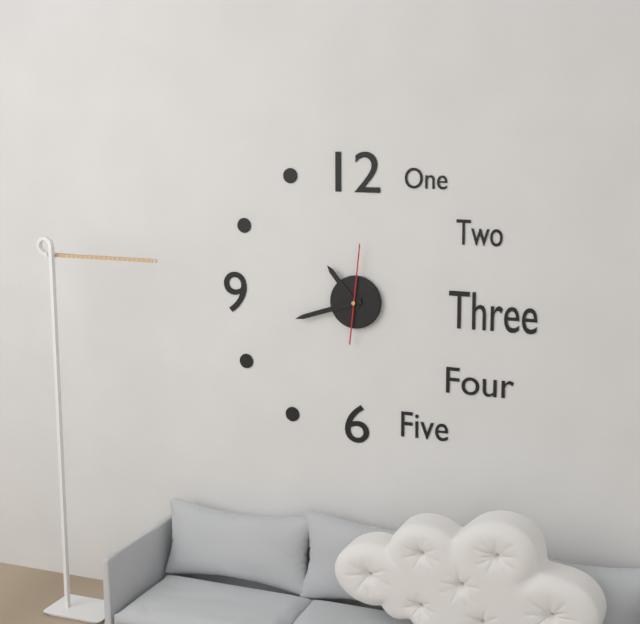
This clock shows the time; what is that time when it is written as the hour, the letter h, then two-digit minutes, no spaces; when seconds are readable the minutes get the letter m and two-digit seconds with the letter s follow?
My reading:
10h42m01s
